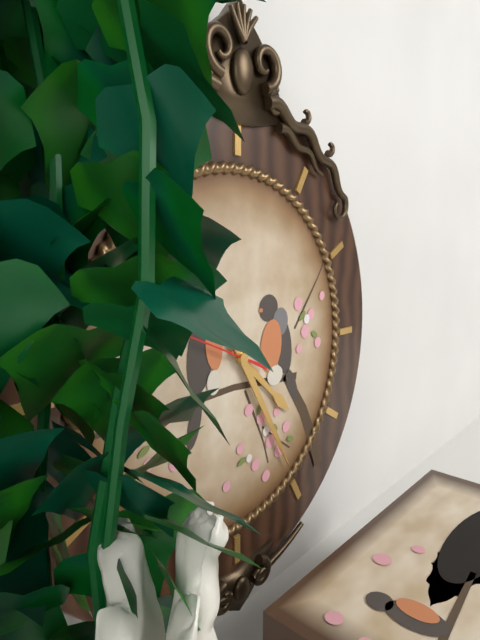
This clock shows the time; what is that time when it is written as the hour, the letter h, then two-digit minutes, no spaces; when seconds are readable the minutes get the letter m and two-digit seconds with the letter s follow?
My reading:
4h25m49s
